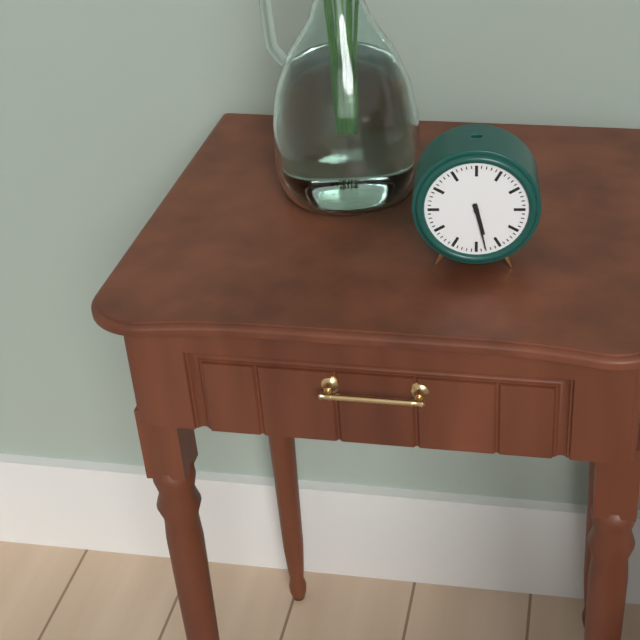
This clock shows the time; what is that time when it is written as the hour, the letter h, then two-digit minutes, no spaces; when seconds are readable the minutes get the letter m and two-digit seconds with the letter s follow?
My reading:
5h28
